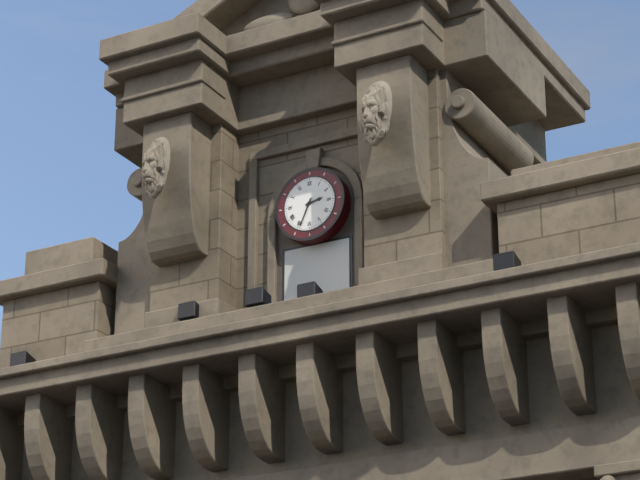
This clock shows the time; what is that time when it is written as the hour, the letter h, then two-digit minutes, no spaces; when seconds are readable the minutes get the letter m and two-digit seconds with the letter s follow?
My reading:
2h34
